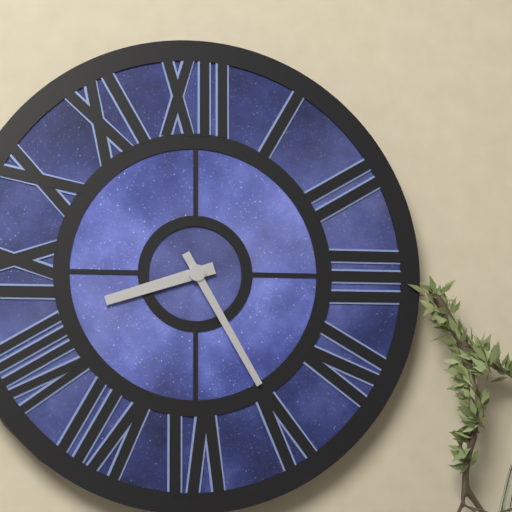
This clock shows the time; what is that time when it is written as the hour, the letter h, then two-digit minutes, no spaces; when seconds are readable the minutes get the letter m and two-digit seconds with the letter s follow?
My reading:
8h25
